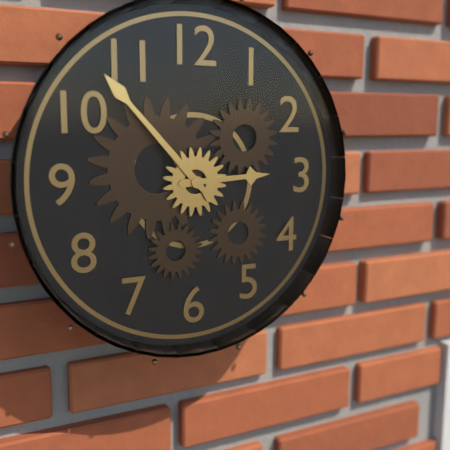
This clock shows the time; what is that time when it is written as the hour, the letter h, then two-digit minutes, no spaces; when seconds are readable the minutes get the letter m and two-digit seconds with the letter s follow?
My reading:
2h53
